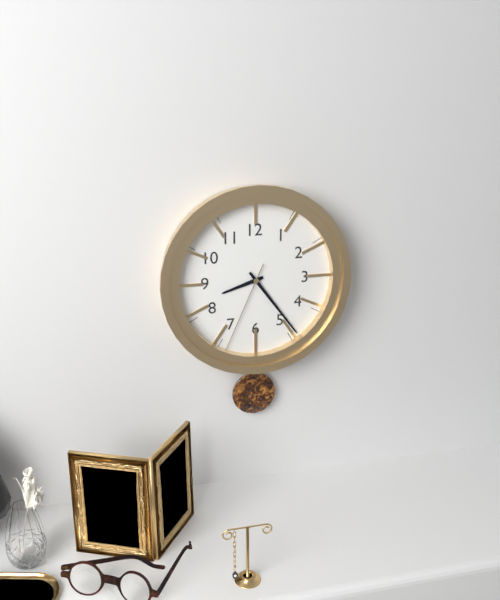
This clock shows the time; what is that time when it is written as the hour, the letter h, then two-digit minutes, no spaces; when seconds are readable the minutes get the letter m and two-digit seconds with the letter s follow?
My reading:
8h24m34s
